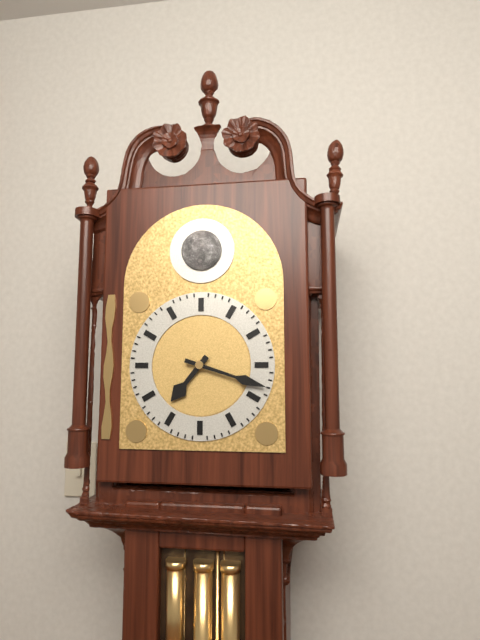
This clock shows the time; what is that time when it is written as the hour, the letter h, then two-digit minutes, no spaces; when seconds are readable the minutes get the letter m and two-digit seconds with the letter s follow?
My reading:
7h18
